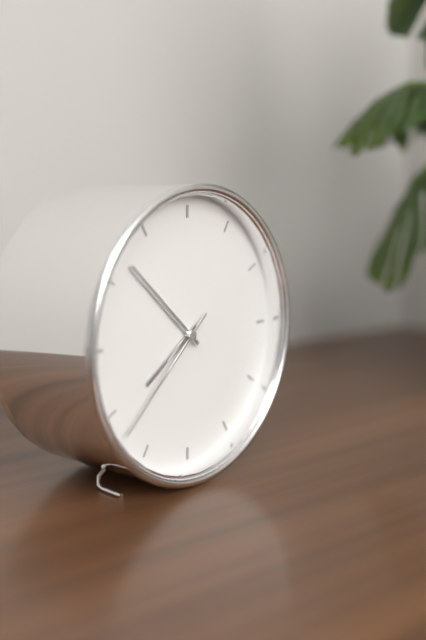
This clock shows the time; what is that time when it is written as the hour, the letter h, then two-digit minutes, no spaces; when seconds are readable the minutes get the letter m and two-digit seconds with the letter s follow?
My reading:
7h52m38s
